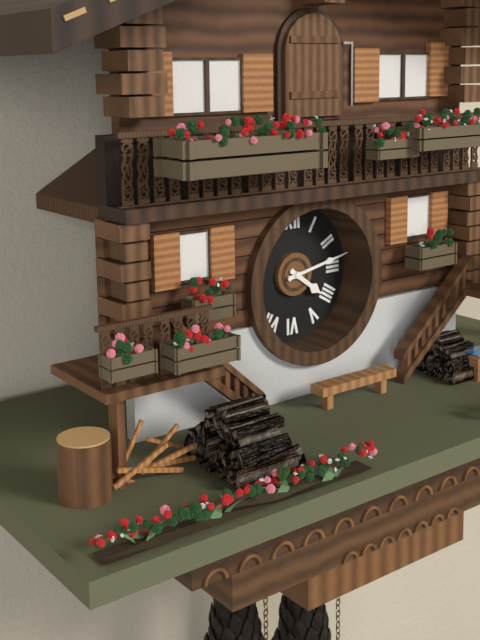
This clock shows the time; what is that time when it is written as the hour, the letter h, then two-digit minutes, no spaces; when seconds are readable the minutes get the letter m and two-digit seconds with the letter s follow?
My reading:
4h13
